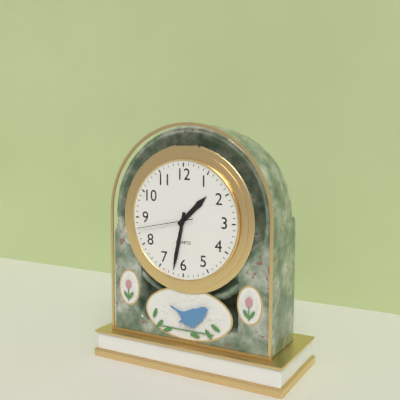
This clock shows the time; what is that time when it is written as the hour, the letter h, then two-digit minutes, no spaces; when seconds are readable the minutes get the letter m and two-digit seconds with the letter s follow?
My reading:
1h32m43s
